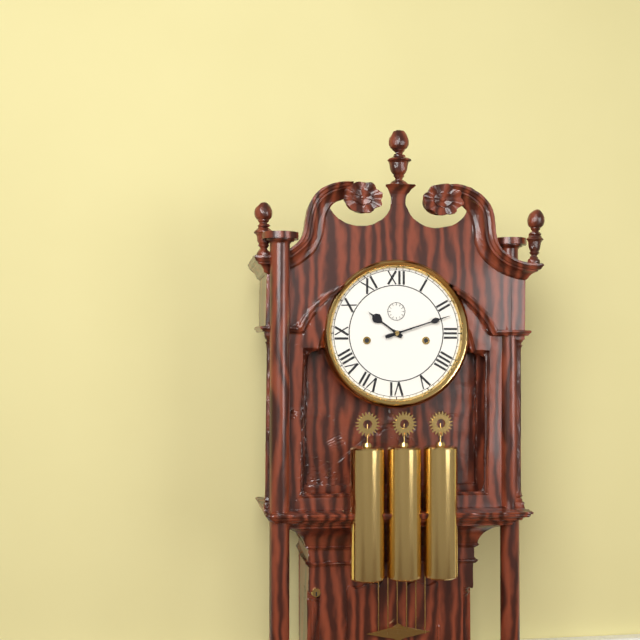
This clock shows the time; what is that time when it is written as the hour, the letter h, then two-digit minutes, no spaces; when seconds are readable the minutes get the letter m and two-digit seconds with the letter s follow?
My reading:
10h12
